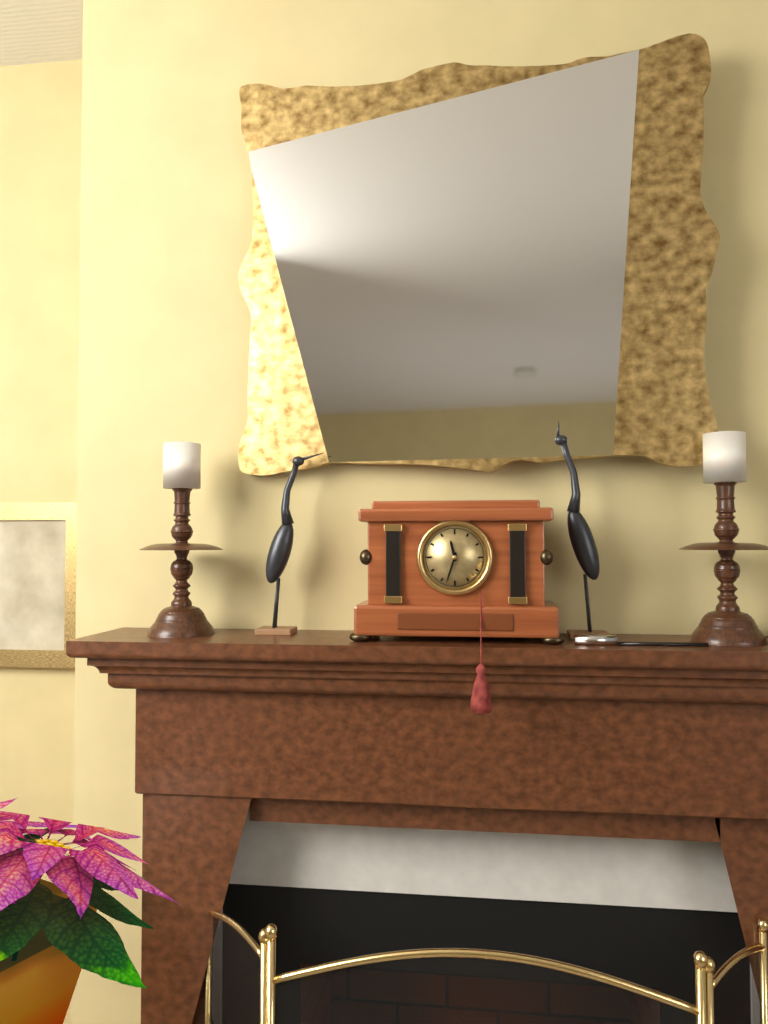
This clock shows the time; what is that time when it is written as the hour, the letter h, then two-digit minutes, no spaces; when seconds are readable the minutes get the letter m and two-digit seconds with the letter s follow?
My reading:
11h33
